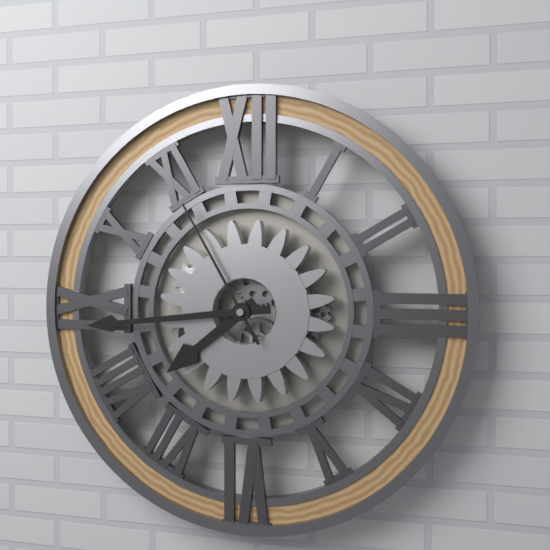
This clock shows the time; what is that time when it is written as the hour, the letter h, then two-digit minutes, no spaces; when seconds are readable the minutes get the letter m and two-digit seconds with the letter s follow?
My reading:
7h44m55s
